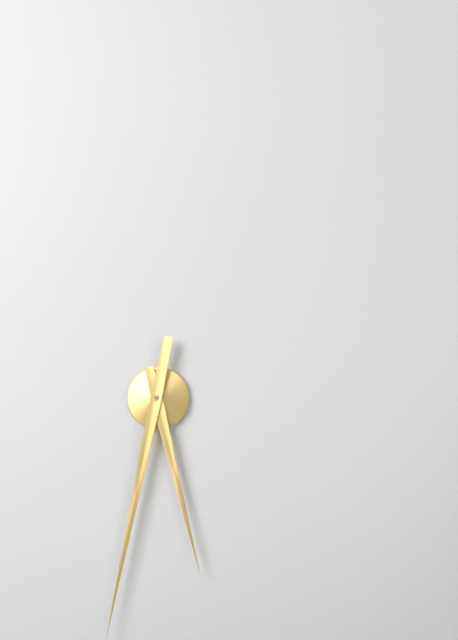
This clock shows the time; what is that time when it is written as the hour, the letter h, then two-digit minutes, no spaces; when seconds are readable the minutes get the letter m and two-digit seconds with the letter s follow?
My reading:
5h32
